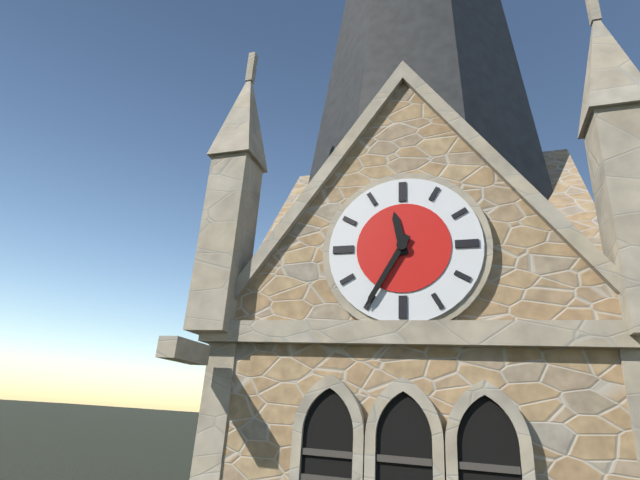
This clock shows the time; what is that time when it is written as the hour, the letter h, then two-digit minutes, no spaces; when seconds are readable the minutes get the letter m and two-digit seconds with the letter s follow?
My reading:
11h35
